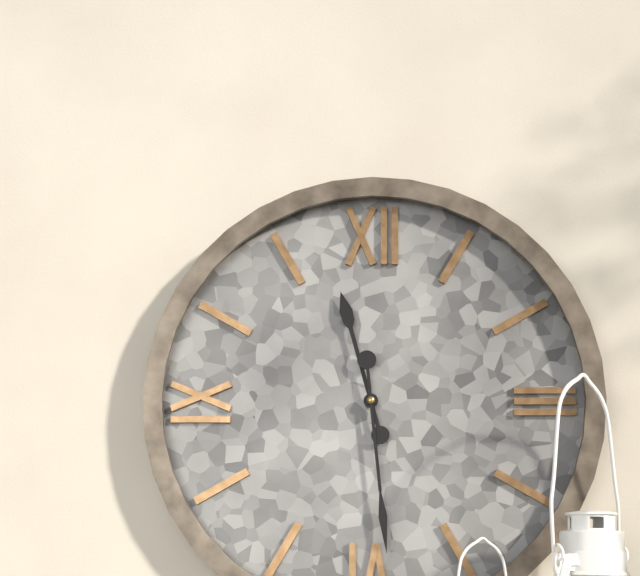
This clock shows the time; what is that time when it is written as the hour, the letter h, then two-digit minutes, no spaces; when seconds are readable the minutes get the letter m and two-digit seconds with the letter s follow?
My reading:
11h29
